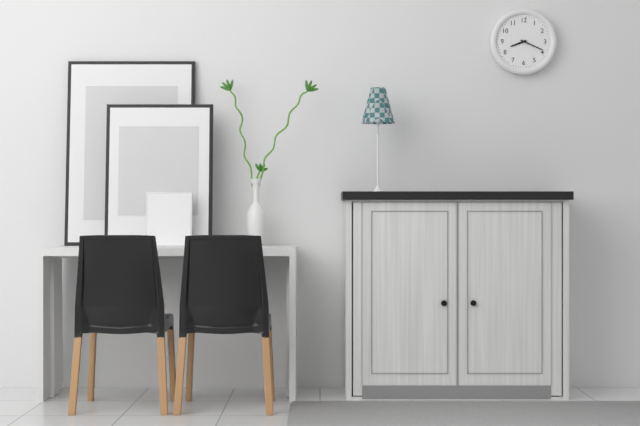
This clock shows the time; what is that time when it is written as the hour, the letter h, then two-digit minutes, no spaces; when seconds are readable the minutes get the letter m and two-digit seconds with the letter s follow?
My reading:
8h19
